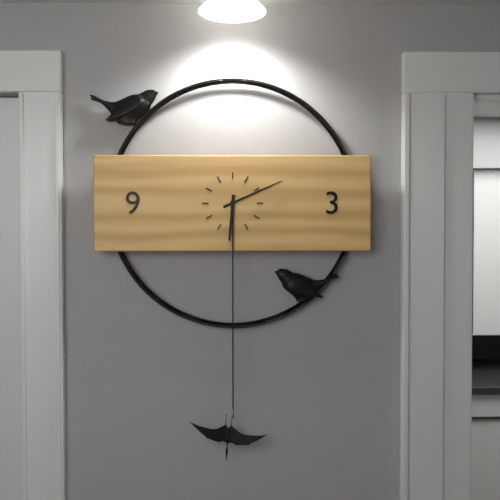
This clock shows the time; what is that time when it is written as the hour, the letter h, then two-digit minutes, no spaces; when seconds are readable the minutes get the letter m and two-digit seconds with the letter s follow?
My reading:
6h11
